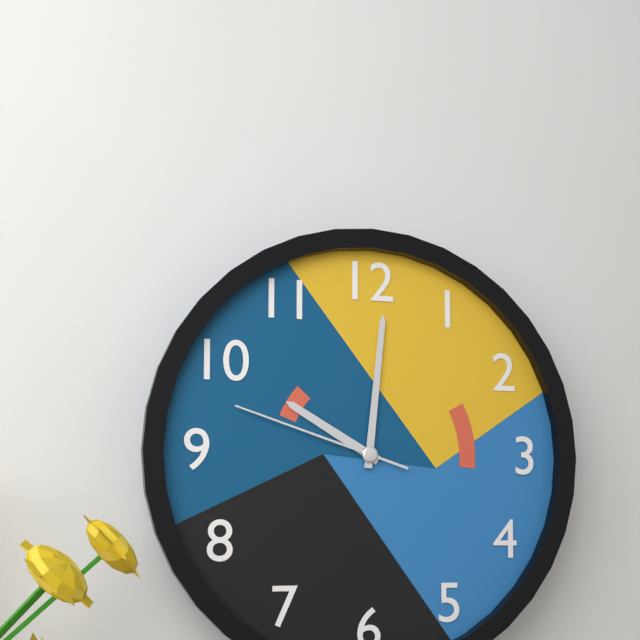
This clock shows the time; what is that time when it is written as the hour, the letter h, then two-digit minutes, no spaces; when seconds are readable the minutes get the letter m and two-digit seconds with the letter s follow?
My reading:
10h01m48s
